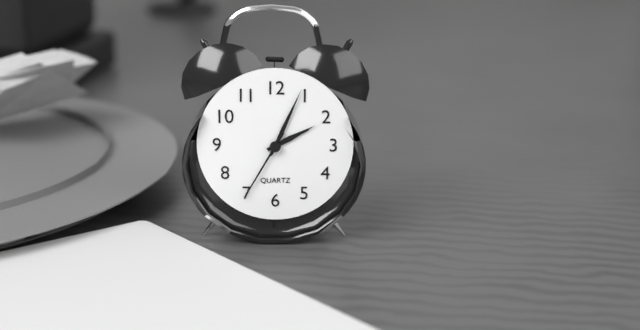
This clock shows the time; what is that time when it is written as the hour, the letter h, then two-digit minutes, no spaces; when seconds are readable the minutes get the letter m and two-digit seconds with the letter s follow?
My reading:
2h04m35s
